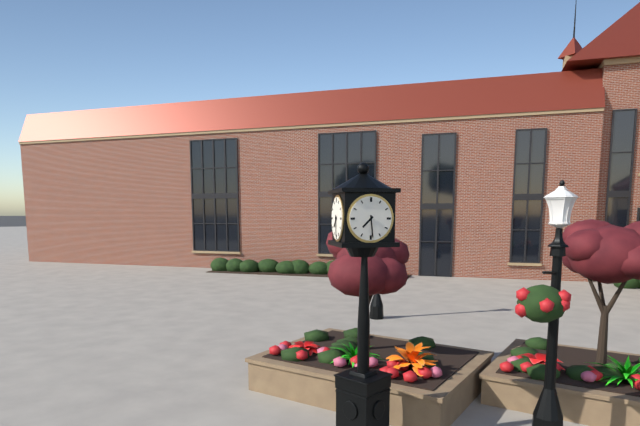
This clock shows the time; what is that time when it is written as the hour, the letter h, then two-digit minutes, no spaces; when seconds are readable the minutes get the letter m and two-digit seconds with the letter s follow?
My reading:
7h29
